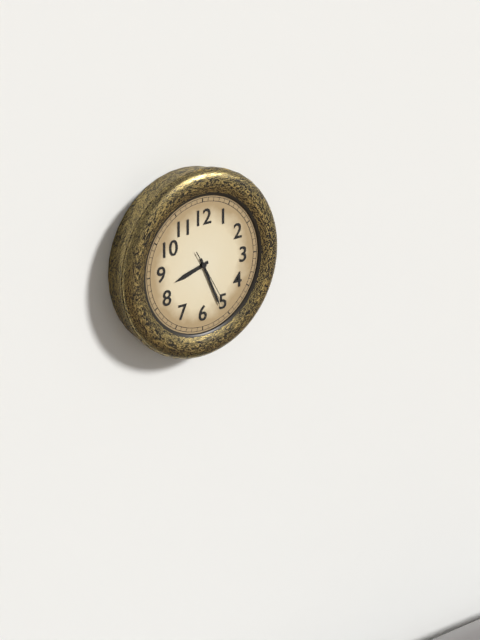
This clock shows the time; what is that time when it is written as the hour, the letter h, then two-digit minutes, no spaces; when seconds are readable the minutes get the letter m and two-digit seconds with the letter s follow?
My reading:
8h26m25s
